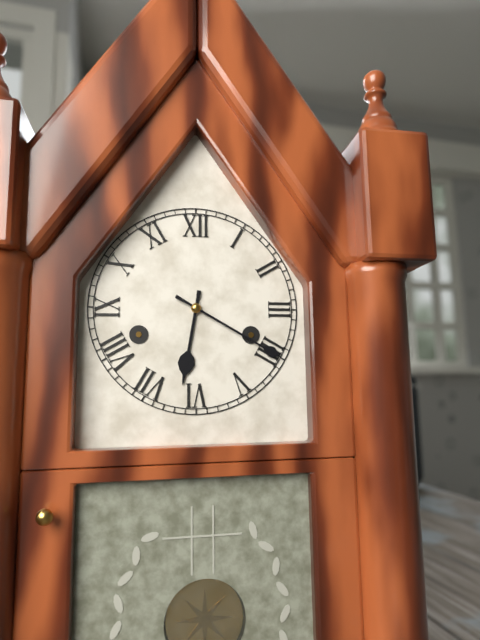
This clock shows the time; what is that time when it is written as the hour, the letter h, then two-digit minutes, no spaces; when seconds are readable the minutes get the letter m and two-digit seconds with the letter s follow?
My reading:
6h20
